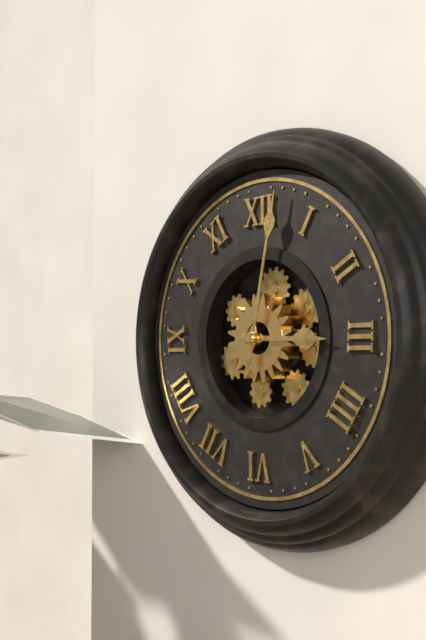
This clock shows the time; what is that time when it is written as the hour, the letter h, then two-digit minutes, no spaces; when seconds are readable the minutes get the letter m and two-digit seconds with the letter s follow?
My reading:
3h02
